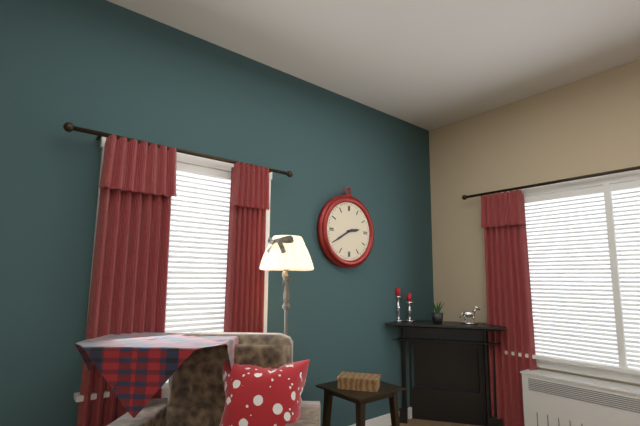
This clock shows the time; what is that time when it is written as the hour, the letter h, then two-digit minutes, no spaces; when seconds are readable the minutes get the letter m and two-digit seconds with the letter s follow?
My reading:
2h40
